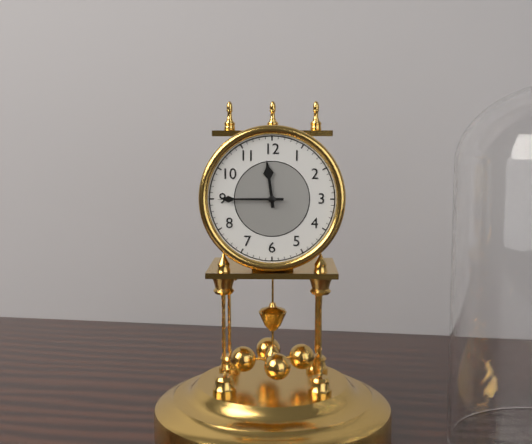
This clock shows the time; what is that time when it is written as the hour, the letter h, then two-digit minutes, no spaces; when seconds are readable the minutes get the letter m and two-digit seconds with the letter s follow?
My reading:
11h45
